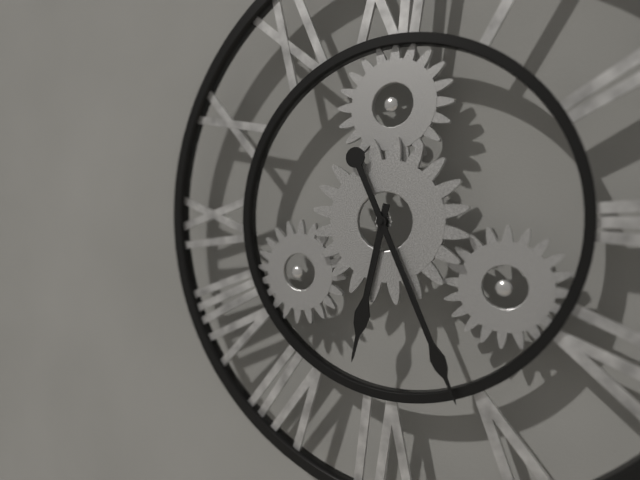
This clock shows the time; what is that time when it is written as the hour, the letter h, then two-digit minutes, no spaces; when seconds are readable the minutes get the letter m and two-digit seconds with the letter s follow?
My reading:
6h26
